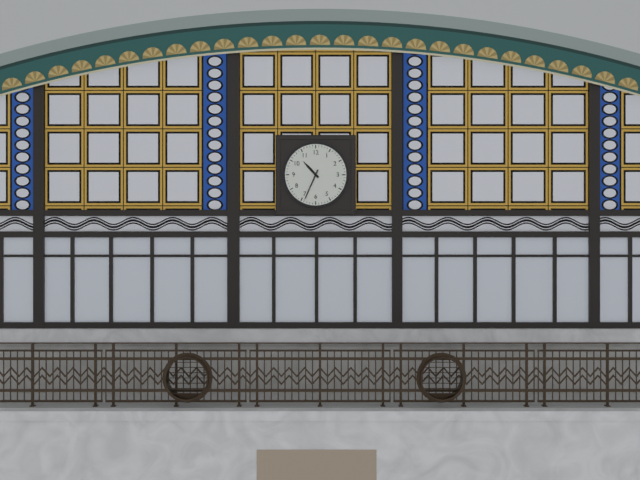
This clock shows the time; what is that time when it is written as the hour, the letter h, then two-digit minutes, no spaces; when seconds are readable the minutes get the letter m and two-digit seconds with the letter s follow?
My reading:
10h34
